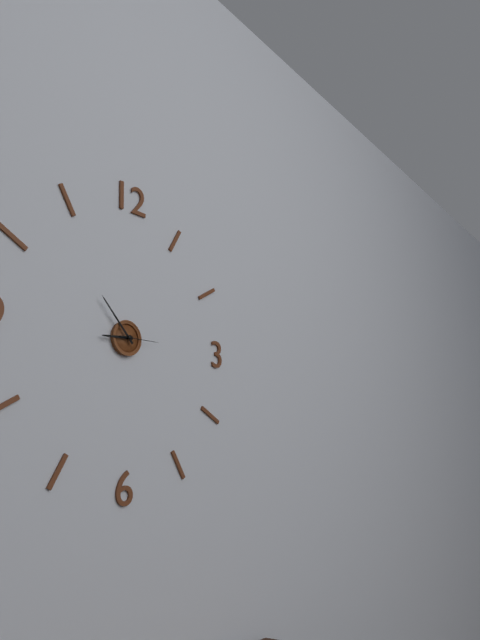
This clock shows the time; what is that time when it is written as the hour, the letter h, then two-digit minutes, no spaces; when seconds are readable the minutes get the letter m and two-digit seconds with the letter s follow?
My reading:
8h53
